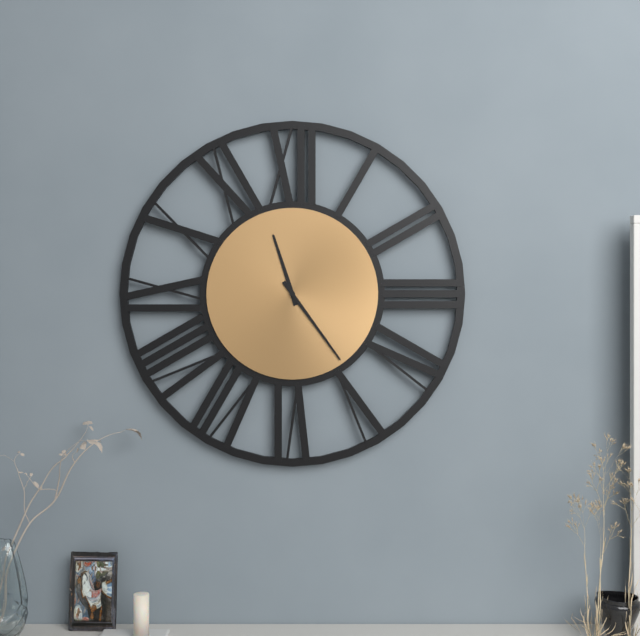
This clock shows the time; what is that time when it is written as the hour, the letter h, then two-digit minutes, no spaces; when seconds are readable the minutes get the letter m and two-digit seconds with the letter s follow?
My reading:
11h24
